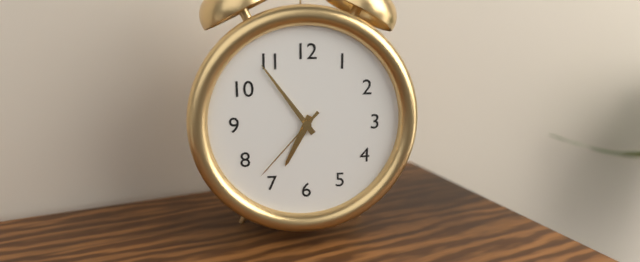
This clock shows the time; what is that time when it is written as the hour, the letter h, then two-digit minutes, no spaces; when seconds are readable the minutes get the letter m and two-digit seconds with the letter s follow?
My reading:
6h54m37s
